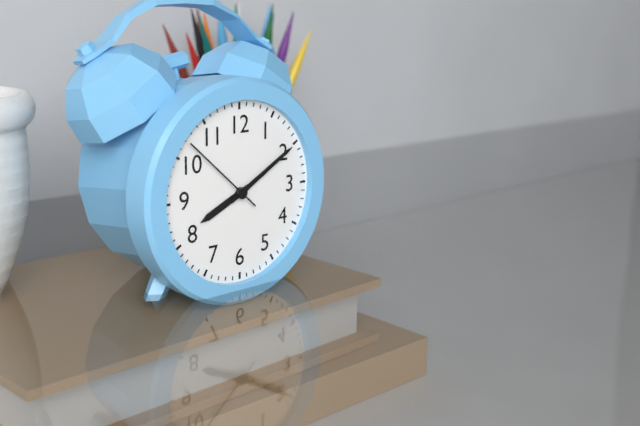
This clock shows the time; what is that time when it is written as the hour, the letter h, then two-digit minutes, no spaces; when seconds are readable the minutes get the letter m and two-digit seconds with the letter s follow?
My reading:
8h10m52s
